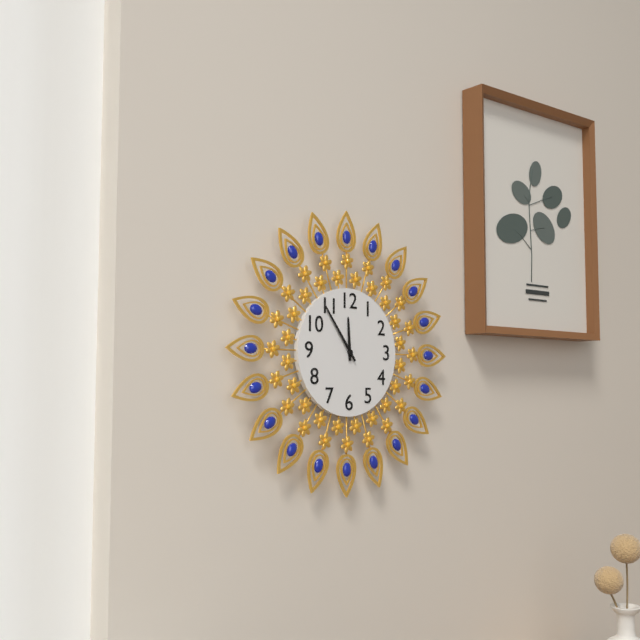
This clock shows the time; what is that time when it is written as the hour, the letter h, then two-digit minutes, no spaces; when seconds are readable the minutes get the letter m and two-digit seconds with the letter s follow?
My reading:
11h54
